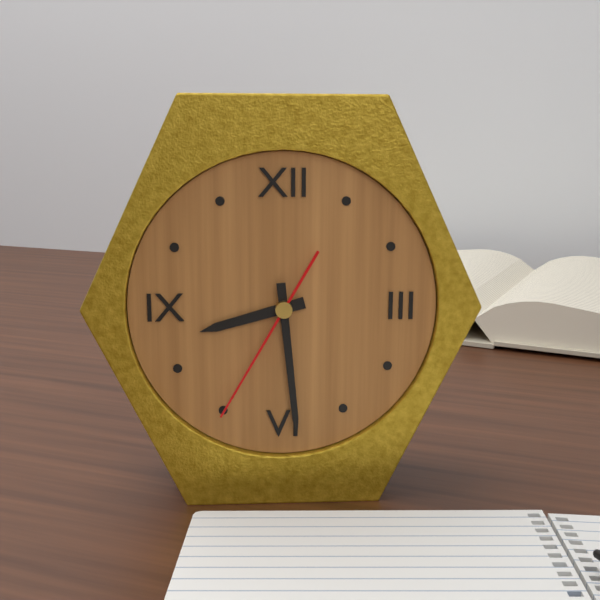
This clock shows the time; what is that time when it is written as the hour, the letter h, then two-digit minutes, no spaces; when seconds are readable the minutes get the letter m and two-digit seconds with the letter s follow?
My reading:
8h29m35s
